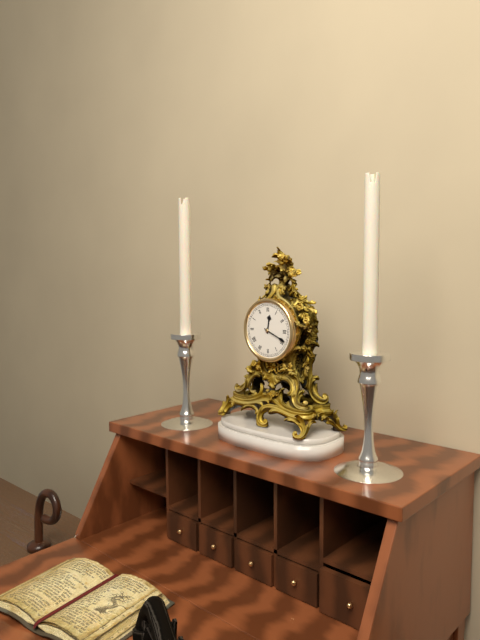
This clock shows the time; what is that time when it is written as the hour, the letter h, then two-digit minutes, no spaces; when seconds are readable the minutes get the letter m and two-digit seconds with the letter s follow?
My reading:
12h19
